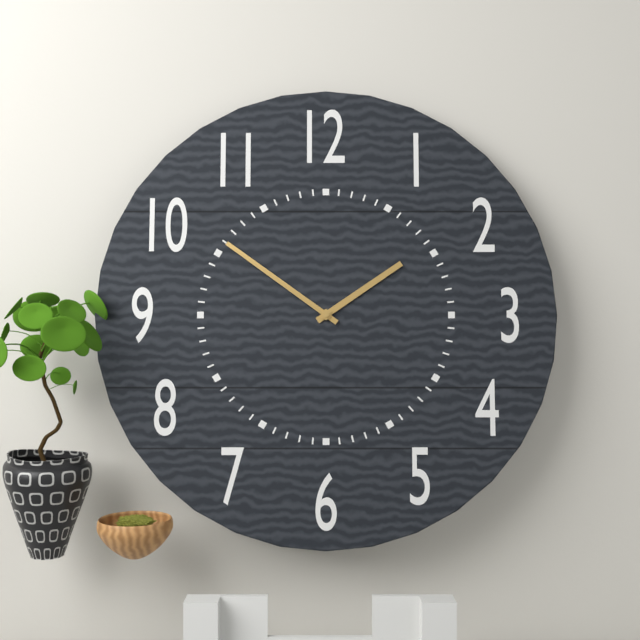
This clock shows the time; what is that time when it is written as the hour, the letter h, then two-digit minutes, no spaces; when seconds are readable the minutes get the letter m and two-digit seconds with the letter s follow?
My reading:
1h51
